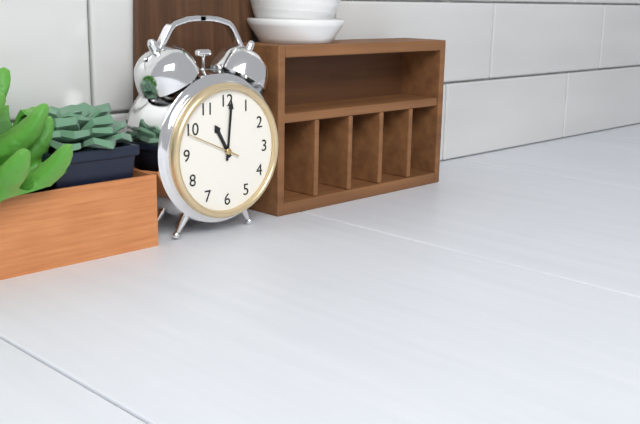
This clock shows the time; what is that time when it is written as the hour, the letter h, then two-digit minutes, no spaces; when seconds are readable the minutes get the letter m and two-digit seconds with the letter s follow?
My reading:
11h01m49s
